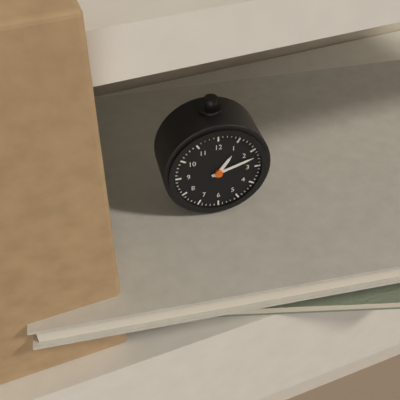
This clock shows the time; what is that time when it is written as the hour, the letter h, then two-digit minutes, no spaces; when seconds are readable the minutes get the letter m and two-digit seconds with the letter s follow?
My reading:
1h12
